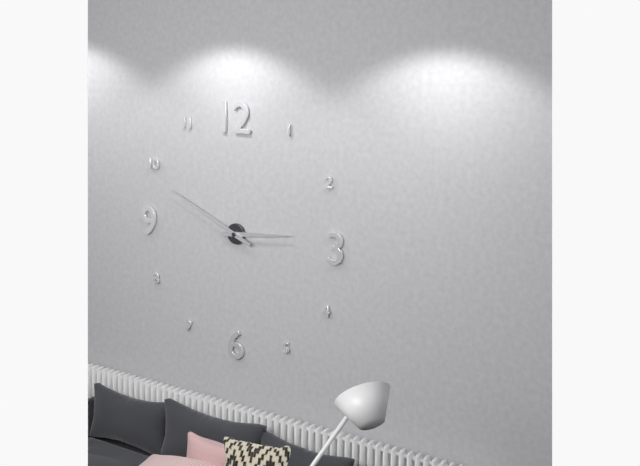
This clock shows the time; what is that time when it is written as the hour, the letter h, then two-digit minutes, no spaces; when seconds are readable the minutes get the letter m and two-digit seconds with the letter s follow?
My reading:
2h49
